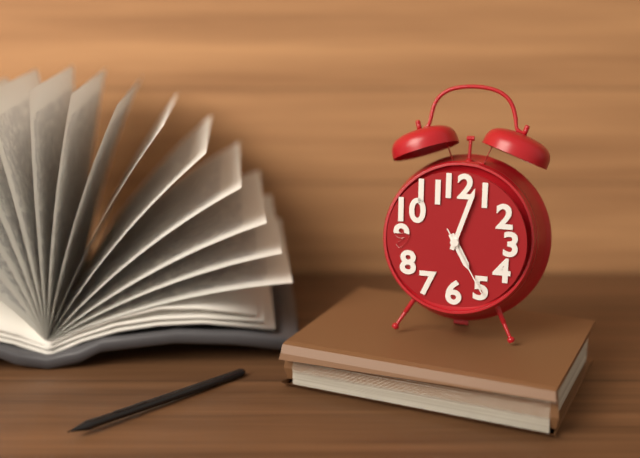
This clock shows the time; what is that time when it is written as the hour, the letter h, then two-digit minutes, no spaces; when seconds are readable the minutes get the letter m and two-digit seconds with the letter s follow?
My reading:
5h03m25s
